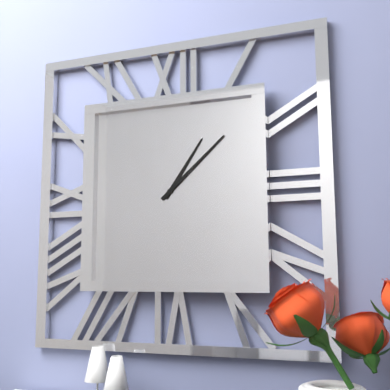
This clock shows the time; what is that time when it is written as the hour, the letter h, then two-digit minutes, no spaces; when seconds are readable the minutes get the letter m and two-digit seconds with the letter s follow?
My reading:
1h08
